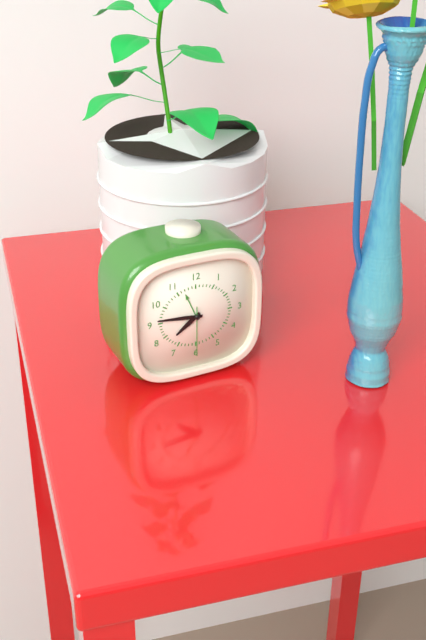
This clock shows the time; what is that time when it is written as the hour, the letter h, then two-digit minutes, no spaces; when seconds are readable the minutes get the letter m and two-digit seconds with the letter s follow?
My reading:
7h46
